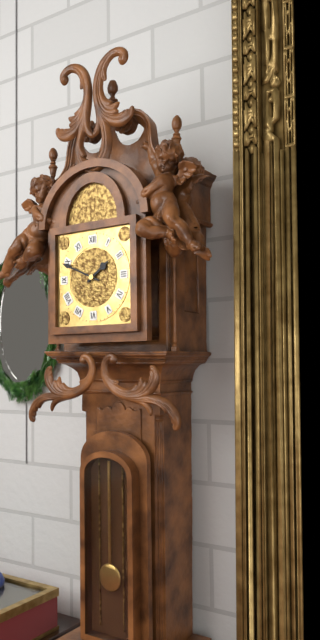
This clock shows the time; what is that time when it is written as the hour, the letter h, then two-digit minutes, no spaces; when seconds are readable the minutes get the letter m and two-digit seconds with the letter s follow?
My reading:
1h49
